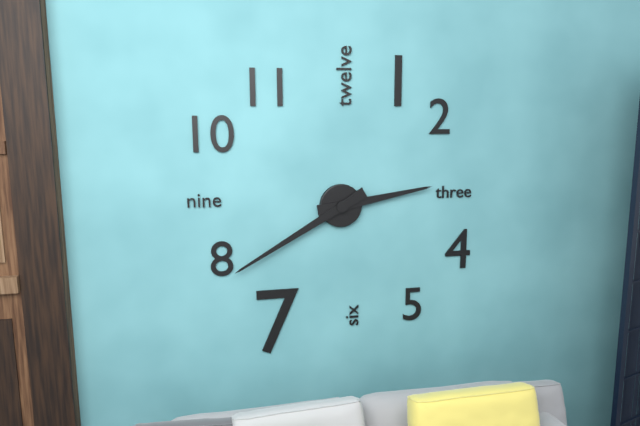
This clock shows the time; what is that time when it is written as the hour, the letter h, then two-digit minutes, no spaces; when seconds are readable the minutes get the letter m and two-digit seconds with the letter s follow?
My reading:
2h40
